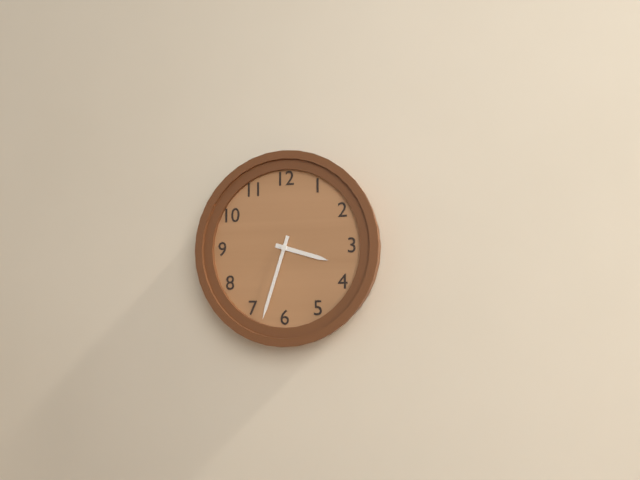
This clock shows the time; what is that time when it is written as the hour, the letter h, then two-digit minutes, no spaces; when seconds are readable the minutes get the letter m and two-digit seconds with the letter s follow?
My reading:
3h33
